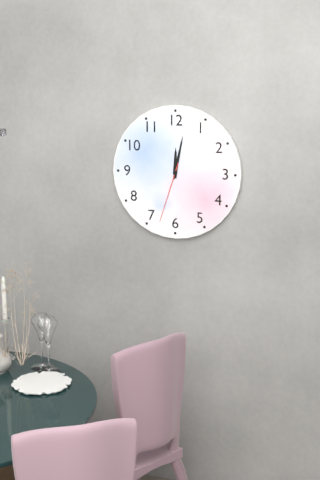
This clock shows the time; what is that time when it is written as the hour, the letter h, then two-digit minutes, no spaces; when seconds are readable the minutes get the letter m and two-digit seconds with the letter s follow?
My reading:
12h02m33s
